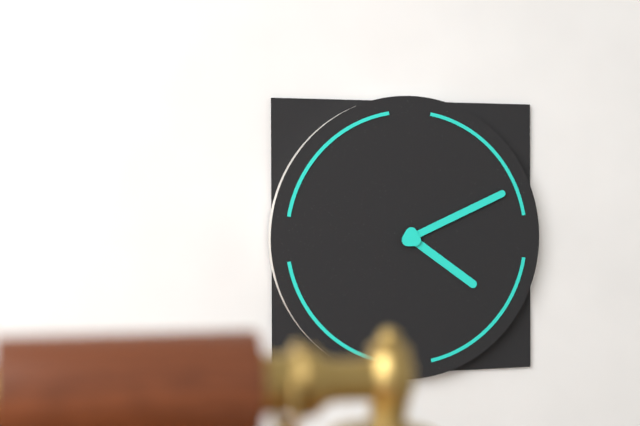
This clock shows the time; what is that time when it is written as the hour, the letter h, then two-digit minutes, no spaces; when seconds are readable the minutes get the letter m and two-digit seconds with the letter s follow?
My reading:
4h11
